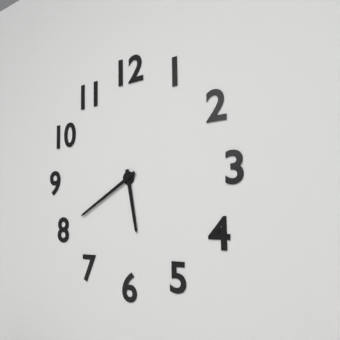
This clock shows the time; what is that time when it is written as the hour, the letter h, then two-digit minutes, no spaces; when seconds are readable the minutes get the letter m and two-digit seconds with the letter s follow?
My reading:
5h40
